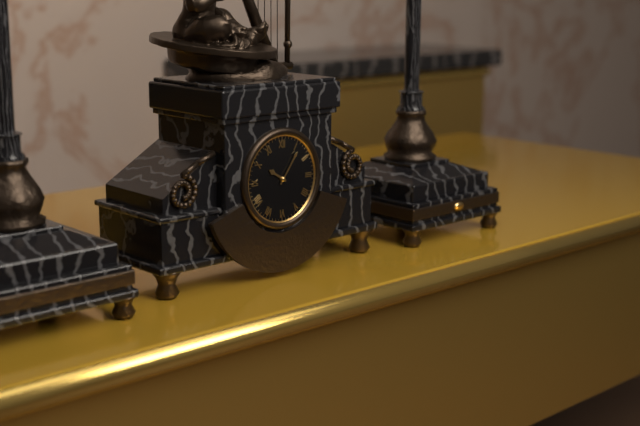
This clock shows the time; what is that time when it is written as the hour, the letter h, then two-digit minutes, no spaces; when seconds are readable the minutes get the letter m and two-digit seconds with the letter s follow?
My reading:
10h06
